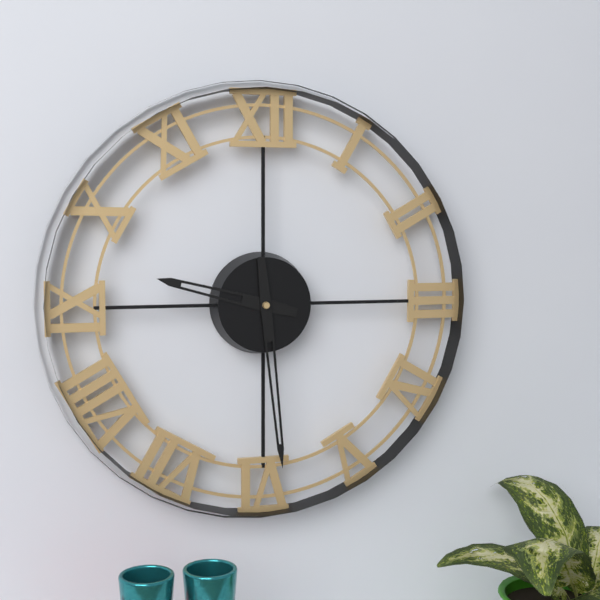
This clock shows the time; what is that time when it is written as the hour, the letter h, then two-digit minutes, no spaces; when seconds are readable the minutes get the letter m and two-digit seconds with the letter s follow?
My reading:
9h29
